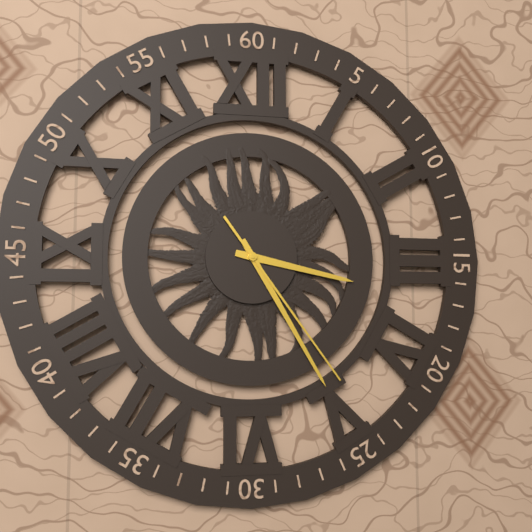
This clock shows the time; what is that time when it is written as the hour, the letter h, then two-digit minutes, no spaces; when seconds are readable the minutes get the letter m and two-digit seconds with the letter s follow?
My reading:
3h25m24s
